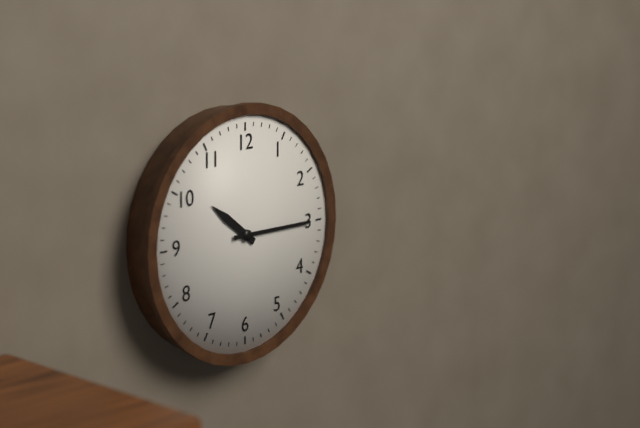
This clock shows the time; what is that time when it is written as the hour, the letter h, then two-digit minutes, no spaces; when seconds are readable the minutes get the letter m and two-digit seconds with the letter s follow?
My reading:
10h15
